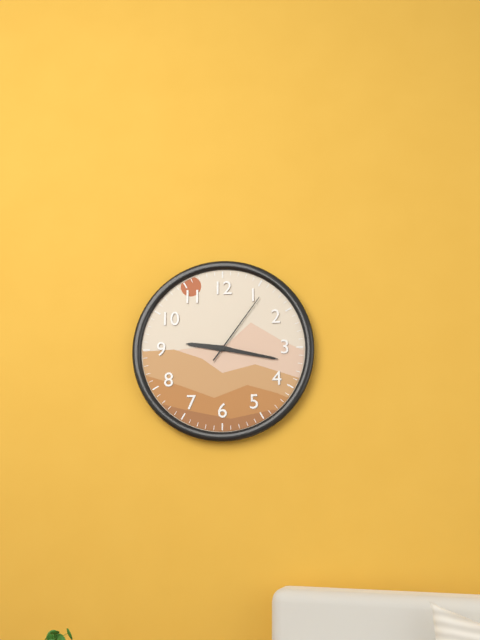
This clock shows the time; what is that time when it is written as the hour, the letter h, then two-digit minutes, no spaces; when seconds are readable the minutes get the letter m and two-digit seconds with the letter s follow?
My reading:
9h17m06s
